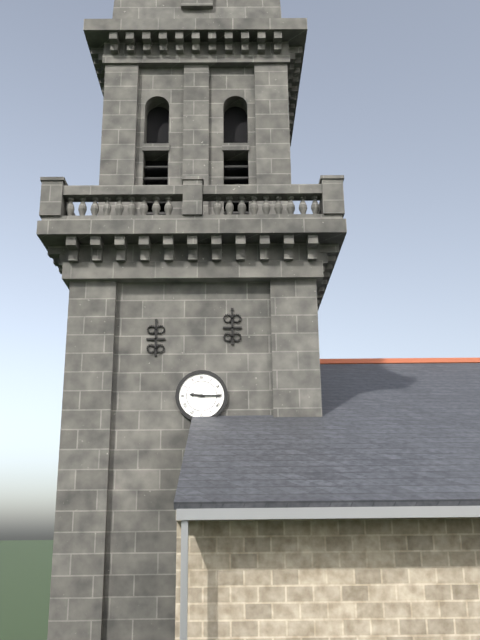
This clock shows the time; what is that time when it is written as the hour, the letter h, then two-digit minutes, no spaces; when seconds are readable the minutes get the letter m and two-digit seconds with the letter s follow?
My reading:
9h15
